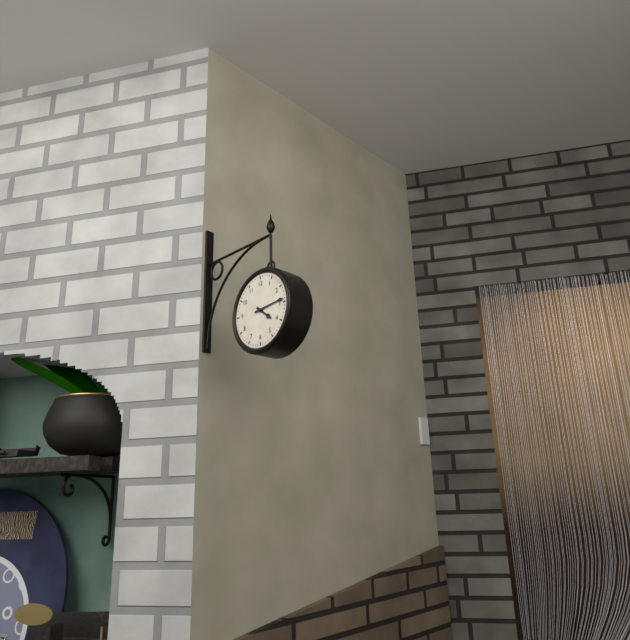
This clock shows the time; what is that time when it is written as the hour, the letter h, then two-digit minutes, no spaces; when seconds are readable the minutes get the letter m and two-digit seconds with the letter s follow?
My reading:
4h14
